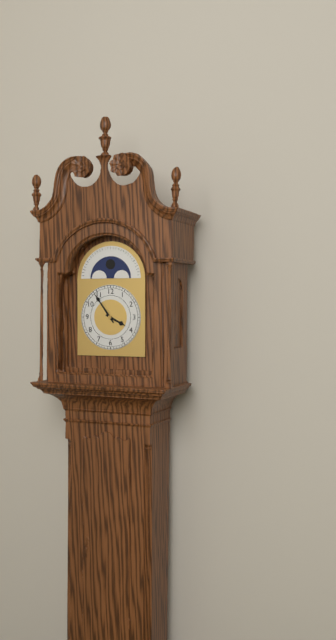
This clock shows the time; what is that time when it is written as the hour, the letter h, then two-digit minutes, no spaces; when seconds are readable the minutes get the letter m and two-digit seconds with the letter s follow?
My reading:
3h54
